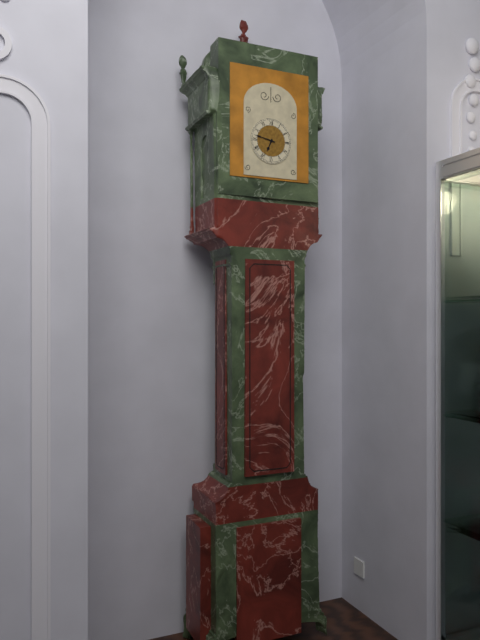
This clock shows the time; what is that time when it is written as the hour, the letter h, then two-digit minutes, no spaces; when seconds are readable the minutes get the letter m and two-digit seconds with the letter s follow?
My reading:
6h47
